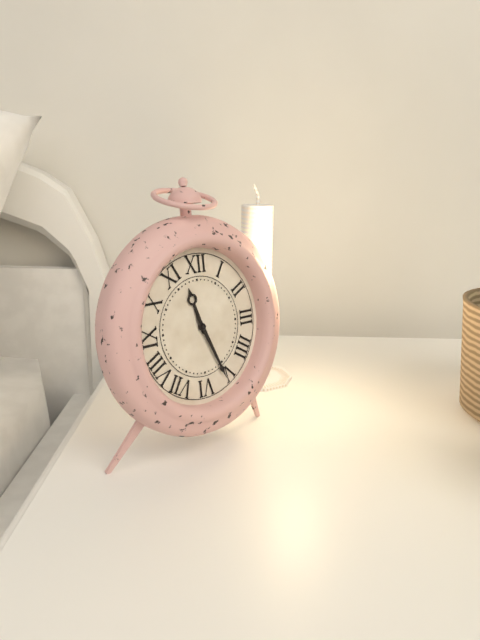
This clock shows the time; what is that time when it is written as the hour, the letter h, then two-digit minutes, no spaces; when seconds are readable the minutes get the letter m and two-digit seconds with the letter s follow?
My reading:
11h26
